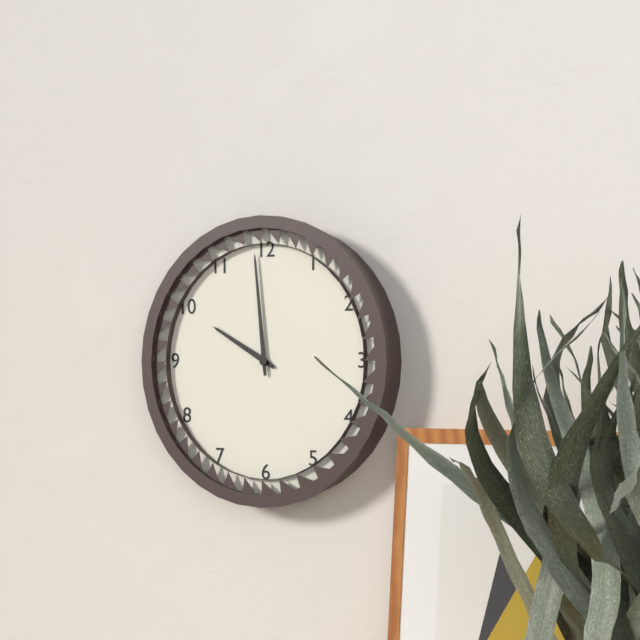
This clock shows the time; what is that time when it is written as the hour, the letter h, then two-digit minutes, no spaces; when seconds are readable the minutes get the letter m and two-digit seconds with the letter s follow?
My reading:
9h59
